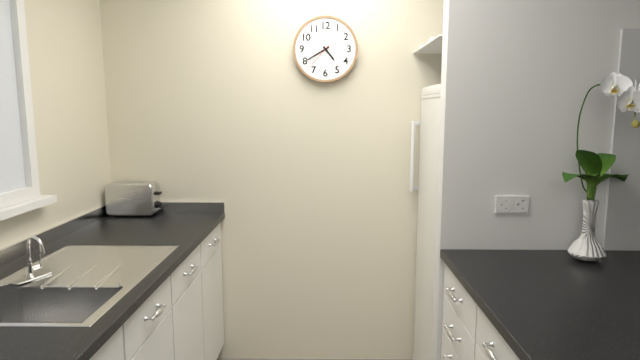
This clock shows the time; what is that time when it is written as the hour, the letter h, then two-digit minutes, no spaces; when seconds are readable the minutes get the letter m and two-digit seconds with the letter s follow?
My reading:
4h40
